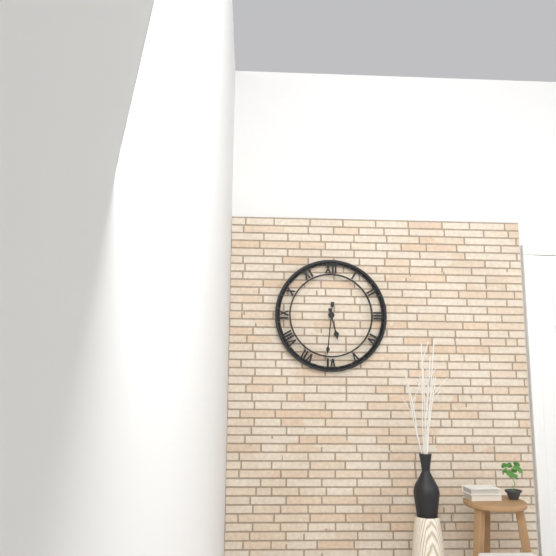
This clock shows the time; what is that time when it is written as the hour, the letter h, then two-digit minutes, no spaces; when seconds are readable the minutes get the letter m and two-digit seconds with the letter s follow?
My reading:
5h31
